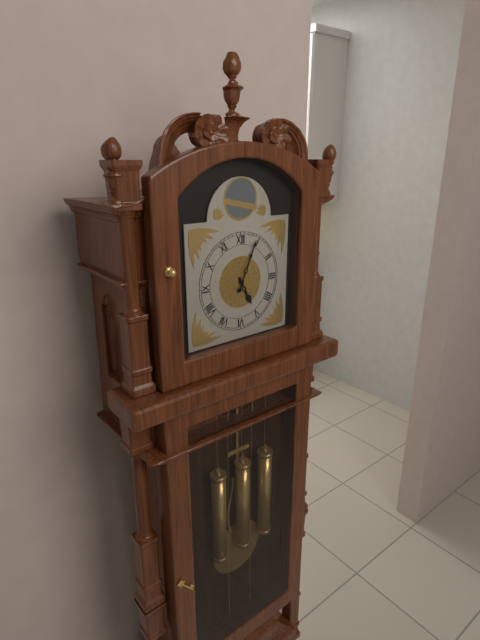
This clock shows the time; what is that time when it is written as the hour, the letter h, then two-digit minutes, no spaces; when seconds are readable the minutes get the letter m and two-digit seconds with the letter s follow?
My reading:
5h04
